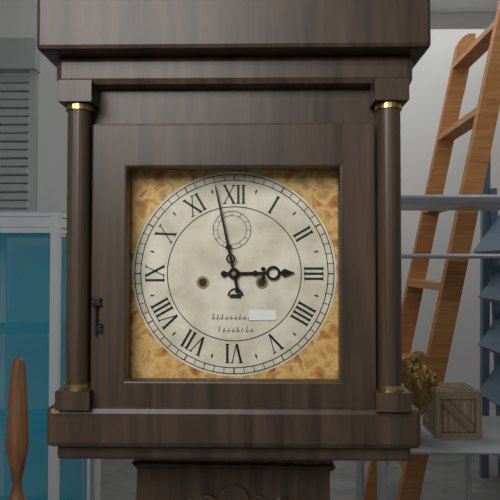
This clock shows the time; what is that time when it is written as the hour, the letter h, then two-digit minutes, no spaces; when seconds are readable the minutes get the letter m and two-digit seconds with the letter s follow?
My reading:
2h58
